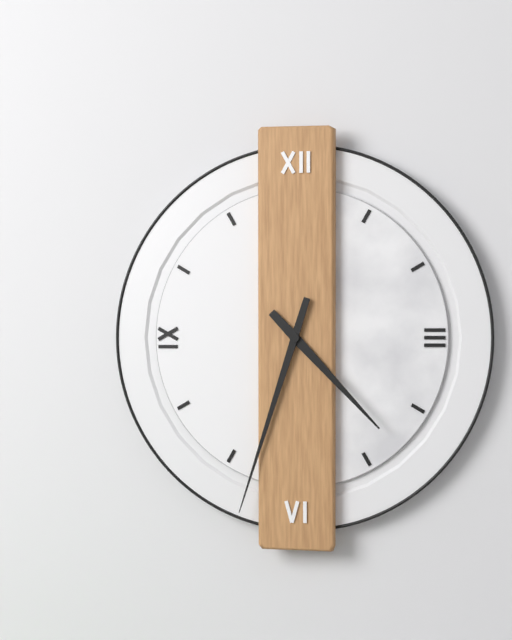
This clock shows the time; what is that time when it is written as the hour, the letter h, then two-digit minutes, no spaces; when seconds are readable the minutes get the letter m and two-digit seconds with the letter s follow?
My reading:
4h33
